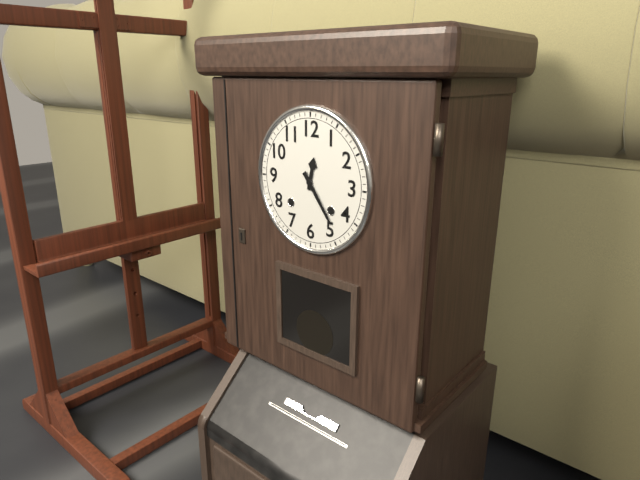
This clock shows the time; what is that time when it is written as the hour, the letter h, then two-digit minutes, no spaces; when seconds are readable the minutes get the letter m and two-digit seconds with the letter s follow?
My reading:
12h24
